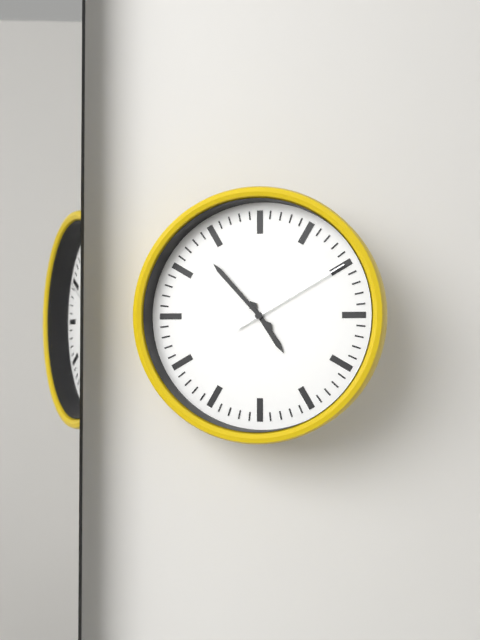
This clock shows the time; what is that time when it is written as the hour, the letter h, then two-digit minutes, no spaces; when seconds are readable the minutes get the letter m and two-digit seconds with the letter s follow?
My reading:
4h53m10s
